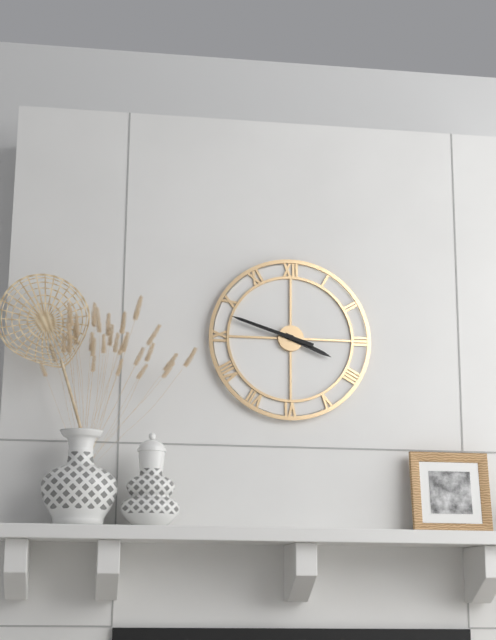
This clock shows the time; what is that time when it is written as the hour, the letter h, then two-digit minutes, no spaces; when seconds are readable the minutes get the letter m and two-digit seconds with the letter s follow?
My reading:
3h48
